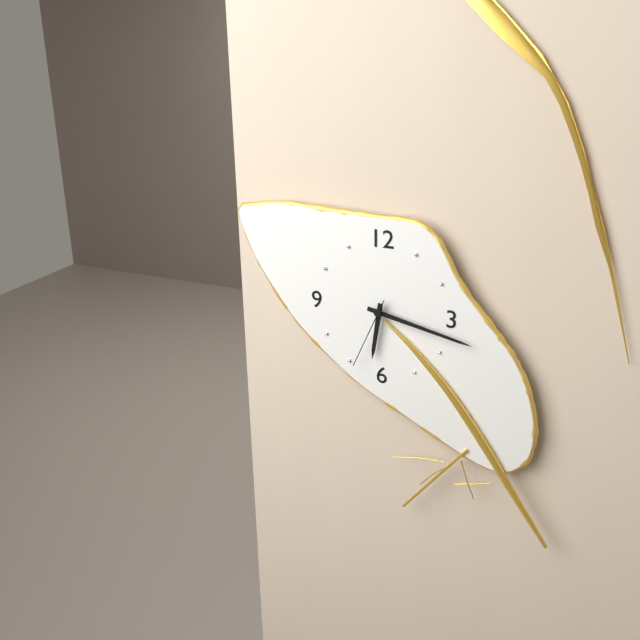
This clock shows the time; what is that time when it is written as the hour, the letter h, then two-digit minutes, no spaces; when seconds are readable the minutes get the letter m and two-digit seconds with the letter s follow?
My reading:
6h17m34s
